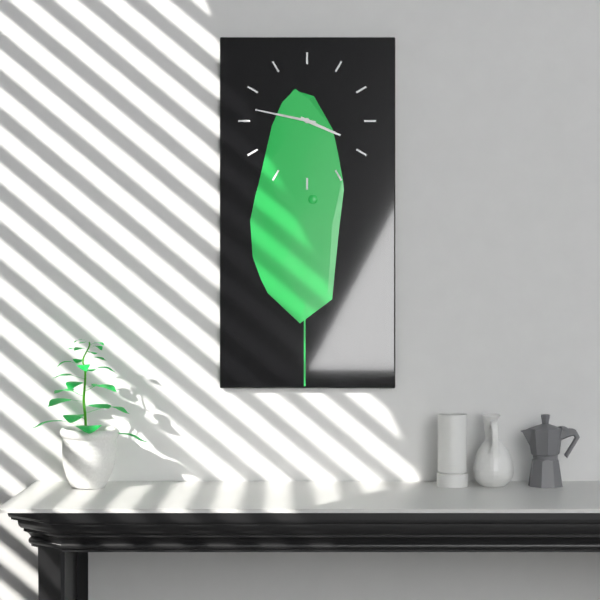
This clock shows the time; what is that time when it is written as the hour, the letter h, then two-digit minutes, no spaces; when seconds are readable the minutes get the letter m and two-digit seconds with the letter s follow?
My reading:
3h47
